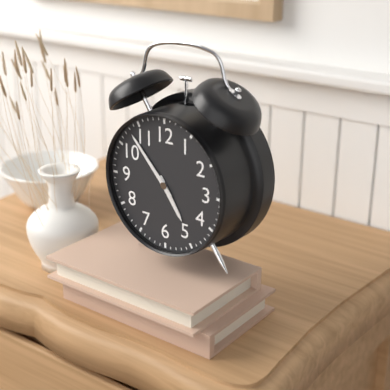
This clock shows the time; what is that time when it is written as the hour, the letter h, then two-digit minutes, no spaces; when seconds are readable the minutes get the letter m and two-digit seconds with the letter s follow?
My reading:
4h53
